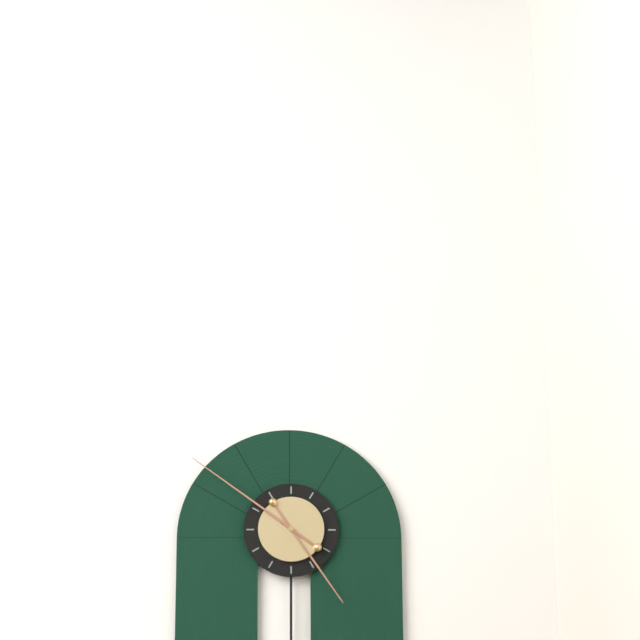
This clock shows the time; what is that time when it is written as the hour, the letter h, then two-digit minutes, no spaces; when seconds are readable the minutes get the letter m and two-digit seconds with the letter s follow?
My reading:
4h51
